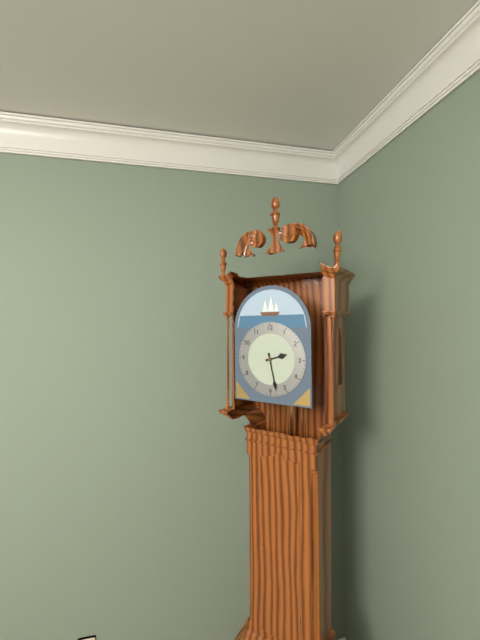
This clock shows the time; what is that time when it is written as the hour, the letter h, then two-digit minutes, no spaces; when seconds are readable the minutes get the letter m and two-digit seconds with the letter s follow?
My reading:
2h28
